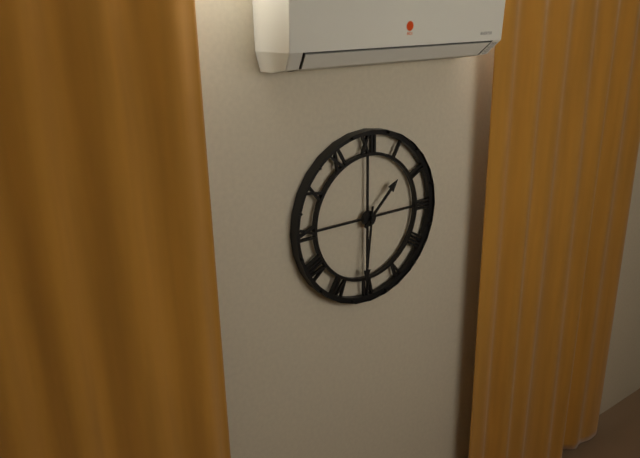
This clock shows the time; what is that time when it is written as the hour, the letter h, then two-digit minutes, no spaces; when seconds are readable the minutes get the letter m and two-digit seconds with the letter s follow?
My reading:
1h31
